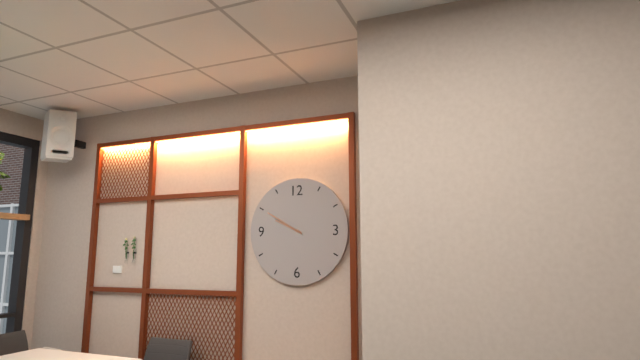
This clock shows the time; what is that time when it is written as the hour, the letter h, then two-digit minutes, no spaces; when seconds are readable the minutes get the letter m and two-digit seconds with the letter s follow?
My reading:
9h50
